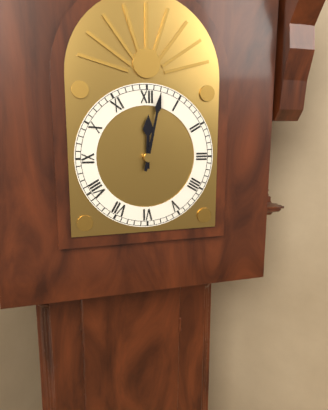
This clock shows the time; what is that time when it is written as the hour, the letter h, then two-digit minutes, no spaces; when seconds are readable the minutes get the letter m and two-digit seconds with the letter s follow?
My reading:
12h02
